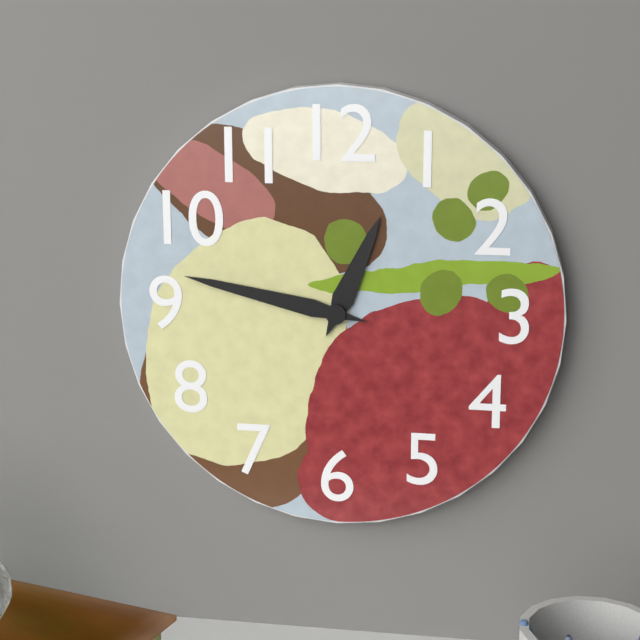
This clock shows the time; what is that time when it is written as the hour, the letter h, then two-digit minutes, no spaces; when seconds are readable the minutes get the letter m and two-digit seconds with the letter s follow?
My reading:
12h47
